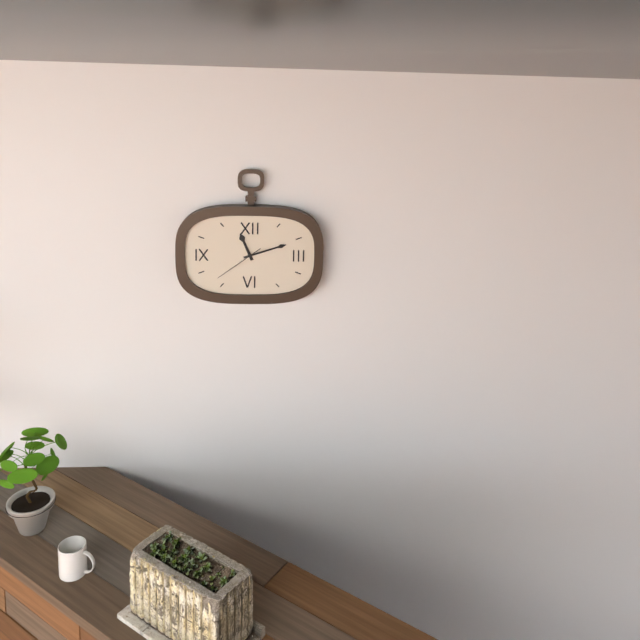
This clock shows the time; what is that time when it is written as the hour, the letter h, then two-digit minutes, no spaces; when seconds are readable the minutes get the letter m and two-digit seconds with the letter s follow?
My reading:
11h12m39s
